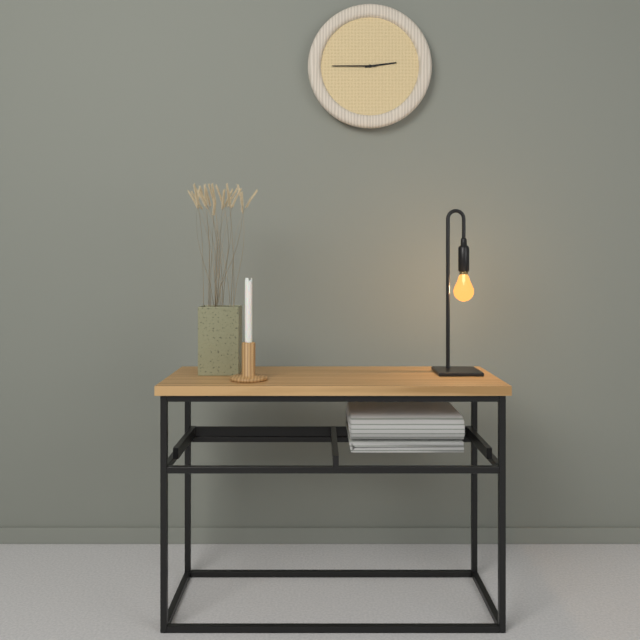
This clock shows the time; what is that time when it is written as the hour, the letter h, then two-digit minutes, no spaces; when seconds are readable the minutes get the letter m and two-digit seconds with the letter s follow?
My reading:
2h45
